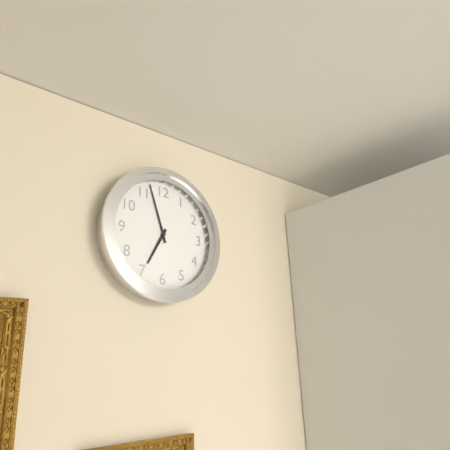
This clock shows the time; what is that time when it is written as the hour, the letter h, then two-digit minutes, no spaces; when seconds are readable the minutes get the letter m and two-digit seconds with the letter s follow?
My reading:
6h57
